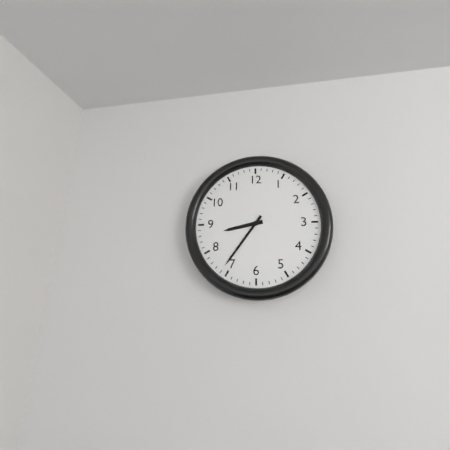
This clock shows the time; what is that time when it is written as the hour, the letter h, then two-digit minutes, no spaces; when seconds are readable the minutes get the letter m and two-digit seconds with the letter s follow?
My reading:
8h36
